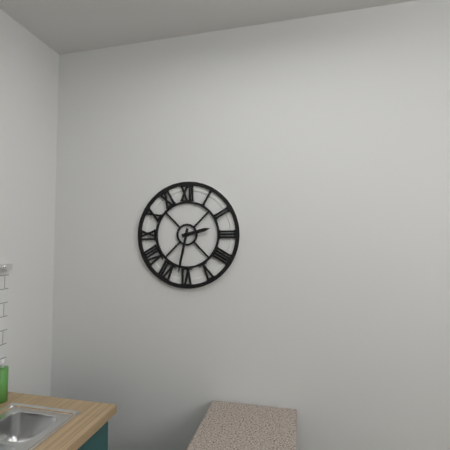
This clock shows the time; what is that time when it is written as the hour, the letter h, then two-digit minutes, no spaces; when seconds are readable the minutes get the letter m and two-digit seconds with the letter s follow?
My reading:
2h32
